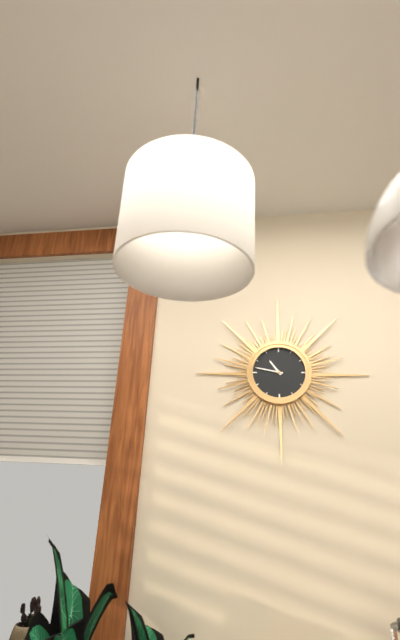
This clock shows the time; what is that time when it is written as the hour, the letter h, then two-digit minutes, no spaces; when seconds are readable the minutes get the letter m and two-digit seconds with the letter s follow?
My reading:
10h47
